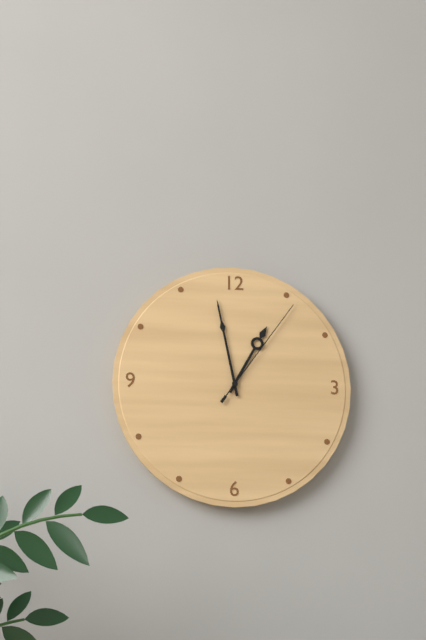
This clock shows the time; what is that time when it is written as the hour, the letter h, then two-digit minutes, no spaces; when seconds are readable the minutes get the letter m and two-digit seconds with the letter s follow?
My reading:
12h58m06s
